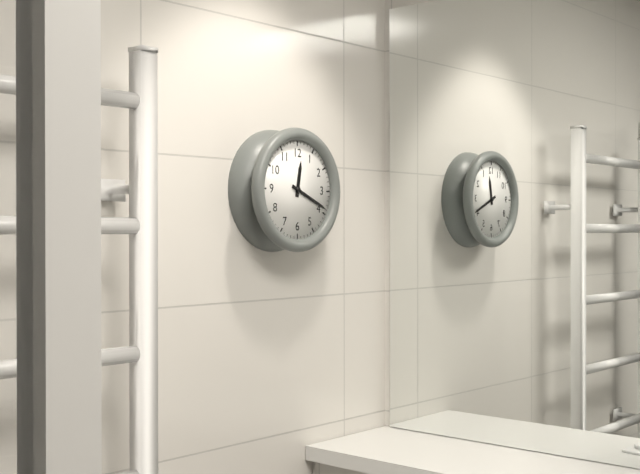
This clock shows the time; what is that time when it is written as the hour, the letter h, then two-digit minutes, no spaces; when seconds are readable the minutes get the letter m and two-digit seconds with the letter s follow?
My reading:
12h19
